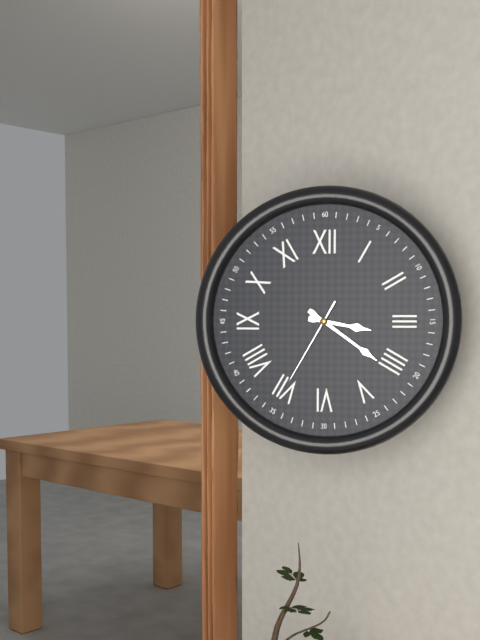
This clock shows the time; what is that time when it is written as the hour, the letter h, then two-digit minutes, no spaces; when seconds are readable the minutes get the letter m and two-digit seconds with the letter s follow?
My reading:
3h21m35s
